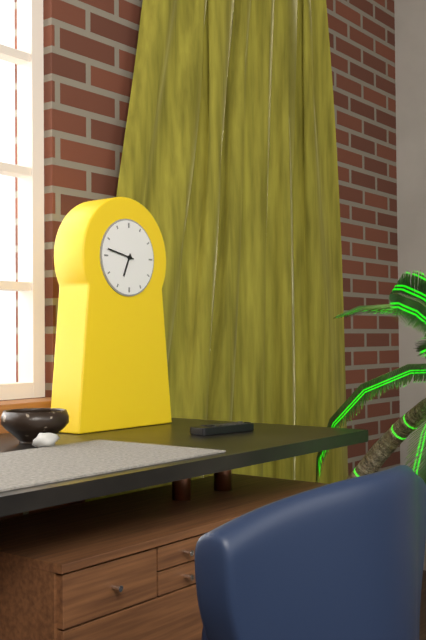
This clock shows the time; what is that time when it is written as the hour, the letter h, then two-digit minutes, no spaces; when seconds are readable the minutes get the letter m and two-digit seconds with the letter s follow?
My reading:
6h47
